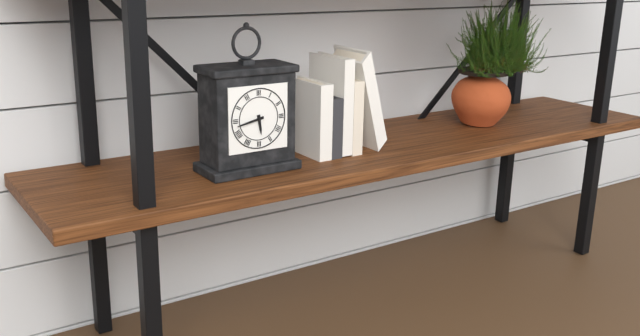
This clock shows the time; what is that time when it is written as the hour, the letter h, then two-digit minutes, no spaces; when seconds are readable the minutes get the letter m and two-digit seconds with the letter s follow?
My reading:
5h43
